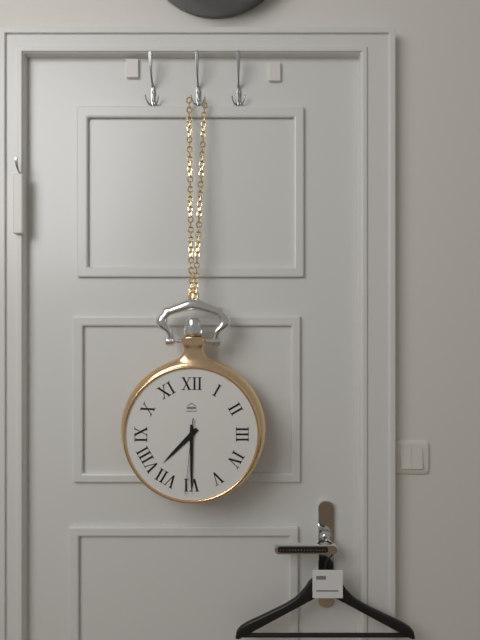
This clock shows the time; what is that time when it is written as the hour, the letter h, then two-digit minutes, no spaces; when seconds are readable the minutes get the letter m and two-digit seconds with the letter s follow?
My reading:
7h30m31s
